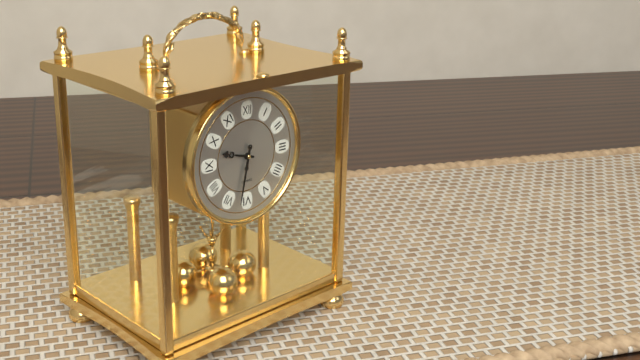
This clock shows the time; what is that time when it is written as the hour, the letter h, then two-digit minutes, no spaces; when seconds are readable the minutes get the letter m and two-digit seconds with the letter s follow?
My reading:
9h32
